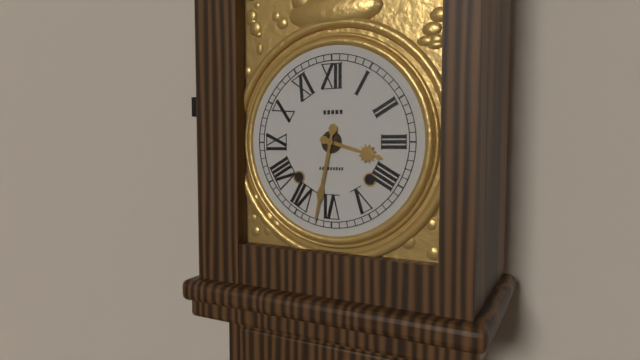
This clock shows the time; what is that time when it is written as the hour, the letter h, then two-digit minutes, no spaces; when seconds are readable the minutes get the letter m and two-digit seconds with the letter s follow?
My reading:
3h32
